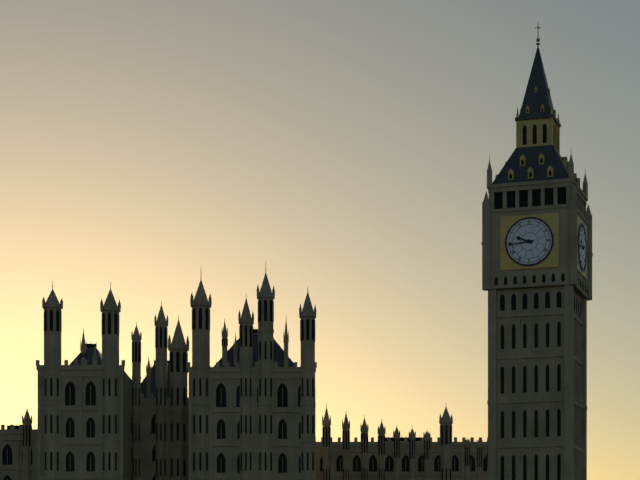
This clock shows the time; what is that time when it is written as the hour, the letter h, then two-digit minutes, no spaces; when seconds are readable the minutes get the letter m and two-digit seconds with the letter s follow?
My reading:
9h44
